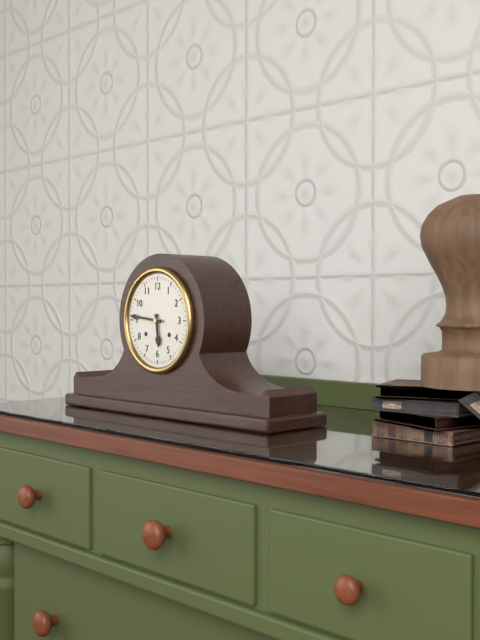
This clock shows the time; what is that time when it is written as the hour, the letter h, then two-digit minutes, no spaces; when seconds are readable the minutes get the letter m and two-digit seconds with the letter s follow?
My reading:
5h46
